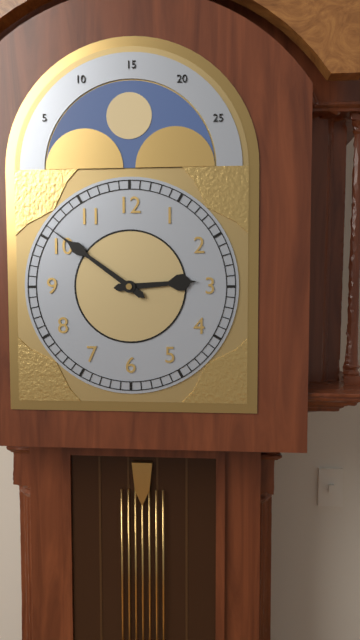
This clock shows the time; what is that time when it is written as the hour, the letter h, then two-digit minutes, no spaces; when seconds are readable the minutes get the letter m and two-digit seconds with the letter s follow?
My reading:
2h51
